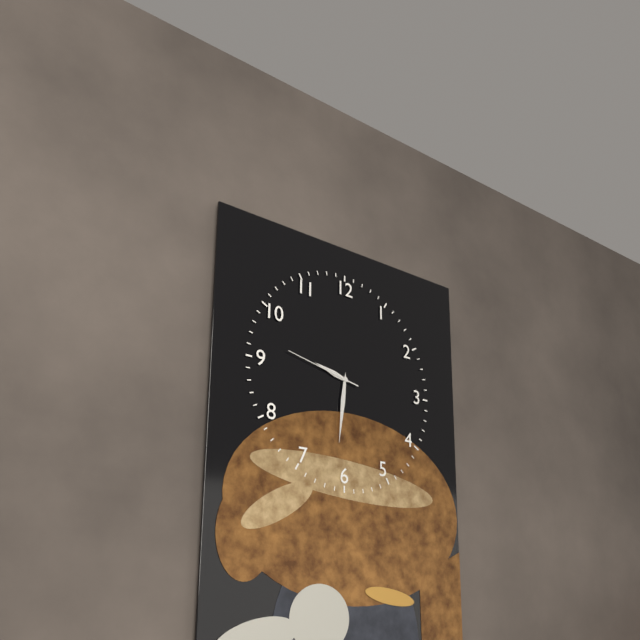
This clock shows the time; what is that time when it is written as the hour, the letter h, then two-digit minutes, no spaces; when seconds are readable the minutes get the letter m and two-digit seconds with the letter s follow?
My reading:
9h31m47s
